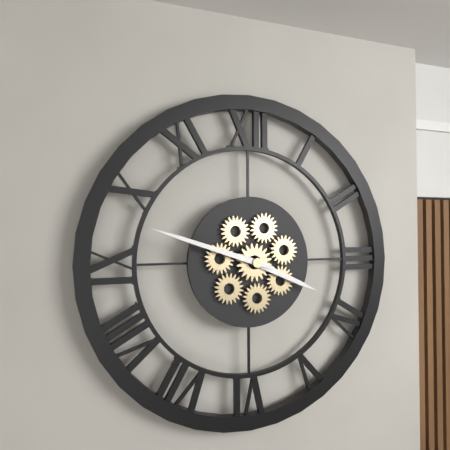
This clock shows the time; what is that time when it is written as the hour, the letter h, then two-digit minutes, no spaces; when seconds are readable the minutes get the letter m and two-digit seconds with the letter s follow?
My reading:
3h48
